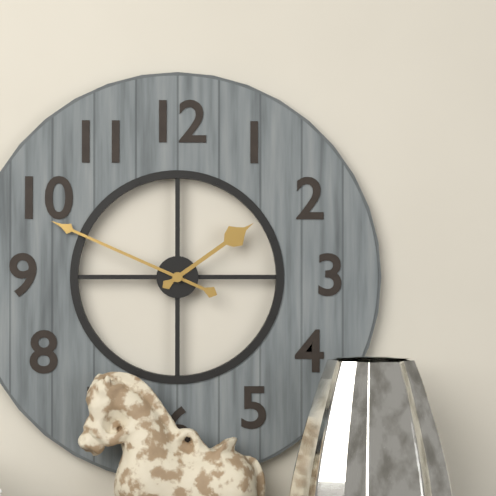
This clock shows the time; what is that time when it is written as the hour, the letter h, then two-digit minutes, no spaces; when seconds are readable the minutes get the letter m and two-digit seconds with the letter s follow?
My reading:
1h49
